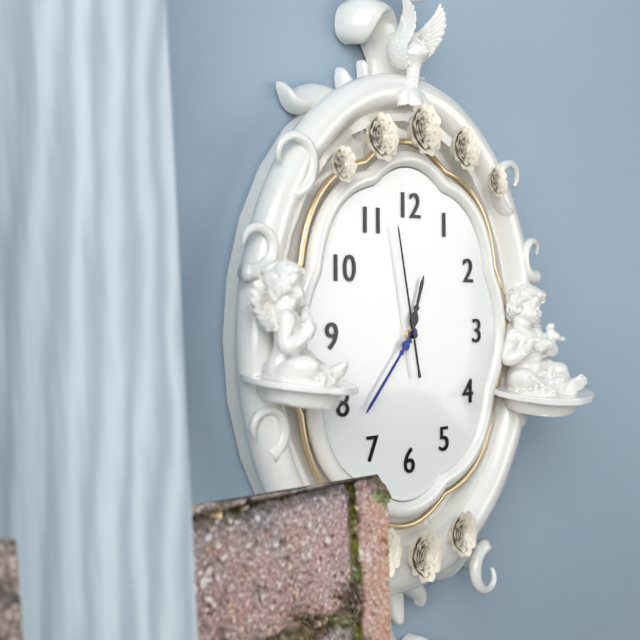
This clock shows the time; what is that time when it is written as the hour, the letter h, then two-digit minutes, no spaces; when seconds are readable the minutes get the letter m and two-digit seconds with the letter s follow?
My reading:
12h37m58s
